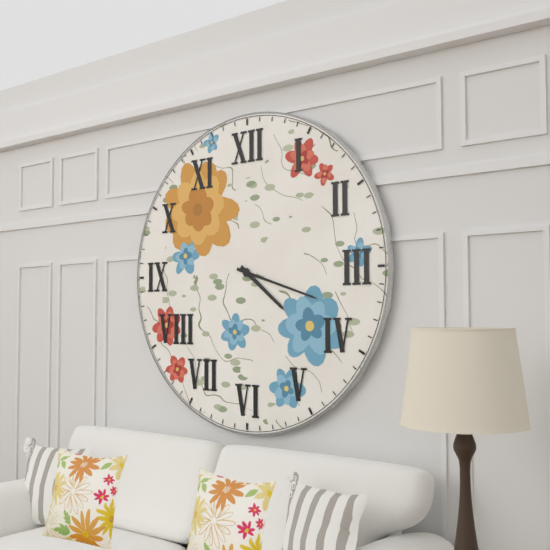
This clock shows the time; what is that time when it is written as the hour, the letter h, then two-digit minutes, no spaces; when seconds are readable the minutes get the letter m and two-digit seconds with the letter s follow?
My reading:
4h18
